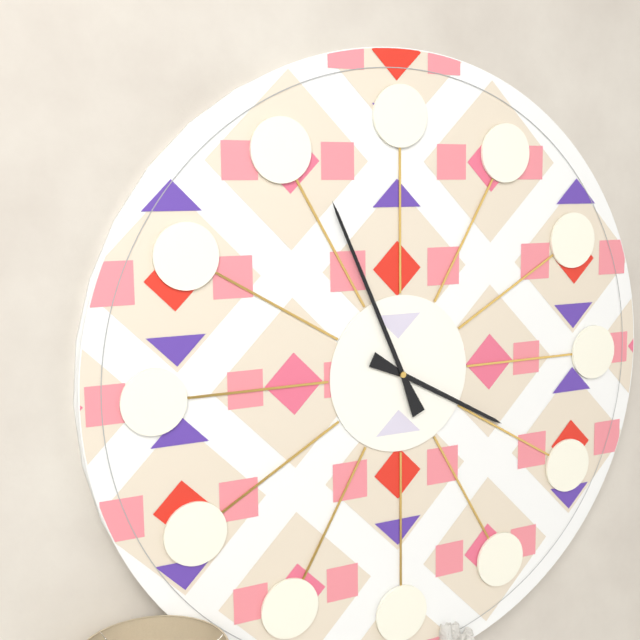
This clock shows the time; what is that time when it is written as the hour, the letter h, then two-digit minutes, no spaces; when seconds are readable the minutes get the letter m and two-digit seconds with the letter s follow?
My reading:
3h56
